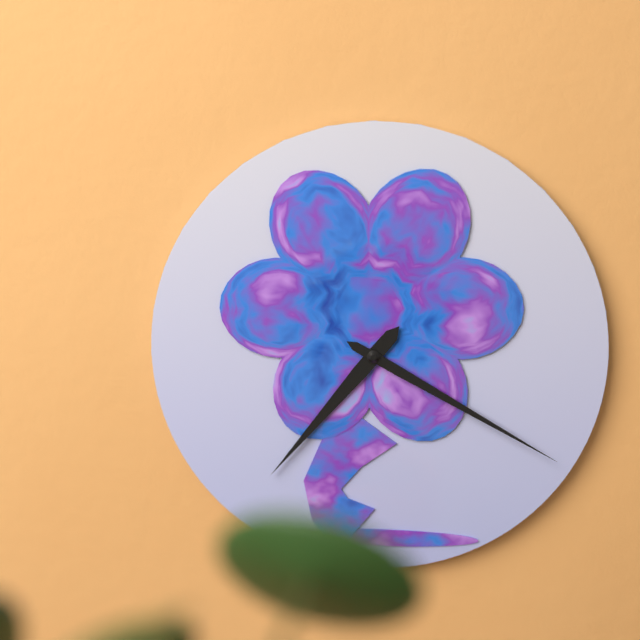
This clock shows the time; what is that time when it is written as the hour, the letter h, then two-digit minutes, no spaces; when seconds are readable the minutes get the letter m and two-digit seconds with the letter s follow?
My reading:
7h20
